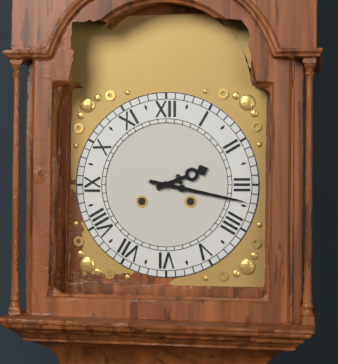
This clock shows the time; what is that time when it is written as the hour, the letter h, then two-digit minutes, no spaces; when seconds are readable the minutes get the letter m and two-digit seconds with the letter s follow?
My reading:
2h17
